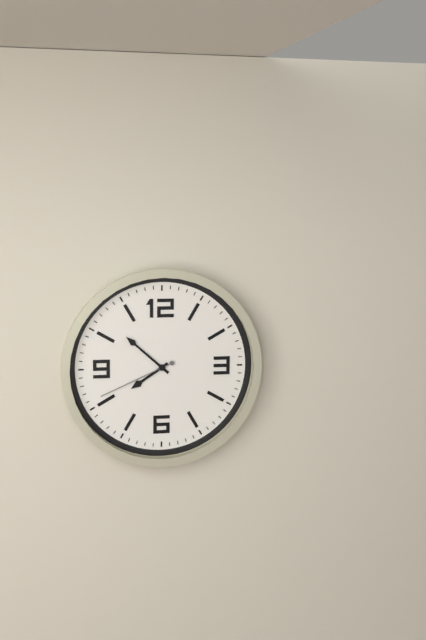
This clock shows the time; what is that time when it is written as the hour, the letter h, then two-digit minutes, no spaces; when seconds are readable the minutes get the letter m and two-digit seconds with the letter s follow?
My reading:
7h52m41s
